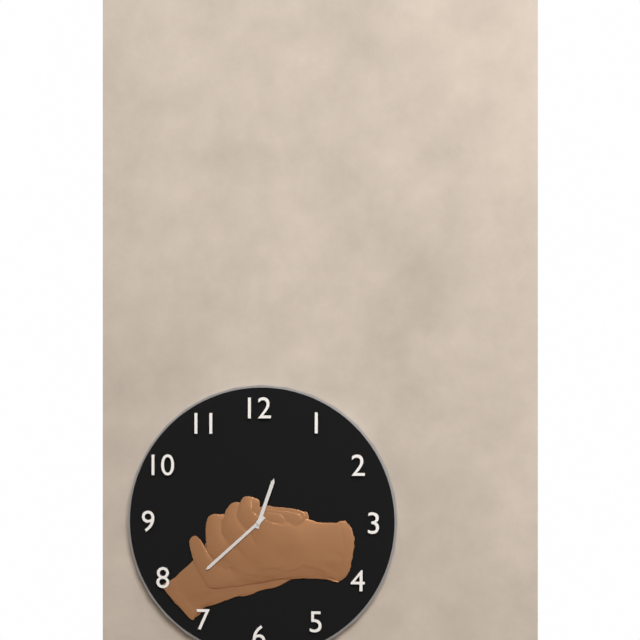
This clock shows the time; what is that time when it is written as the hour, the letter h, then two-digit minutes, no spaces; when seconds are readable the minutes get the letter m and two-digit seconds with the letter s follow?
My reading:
12h38
